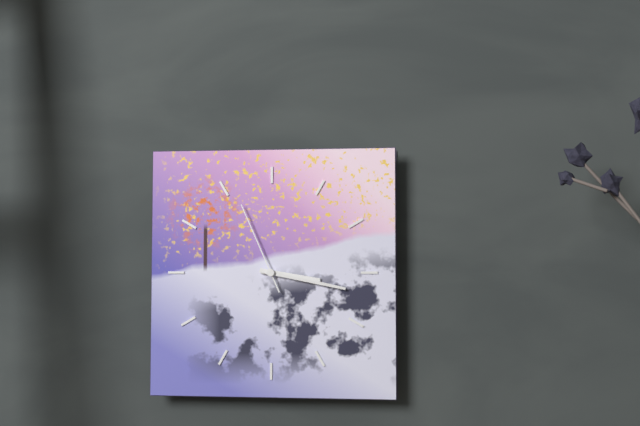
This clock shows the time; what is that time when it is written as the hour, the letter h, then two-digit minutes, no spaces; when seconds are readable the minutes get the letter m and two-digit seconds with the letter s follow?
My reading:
3h17m56s
